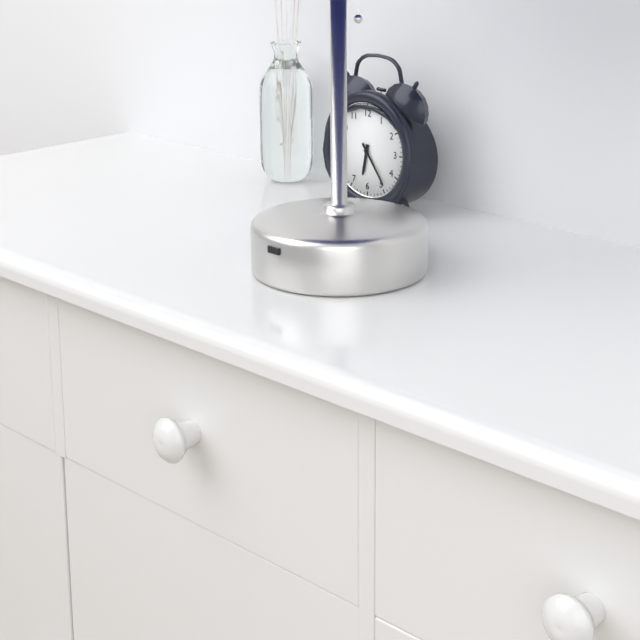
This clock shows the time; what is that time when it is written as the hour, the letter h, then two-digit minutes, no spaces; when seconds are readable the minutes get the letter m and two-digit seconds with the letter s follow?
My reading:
6h24
